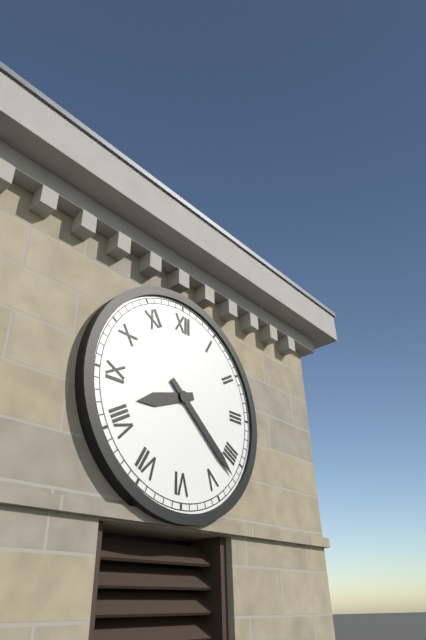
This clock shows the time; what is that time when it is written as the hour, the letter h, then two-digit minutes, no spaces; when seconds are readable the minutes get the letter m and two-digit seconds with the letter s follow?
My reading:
8h22
